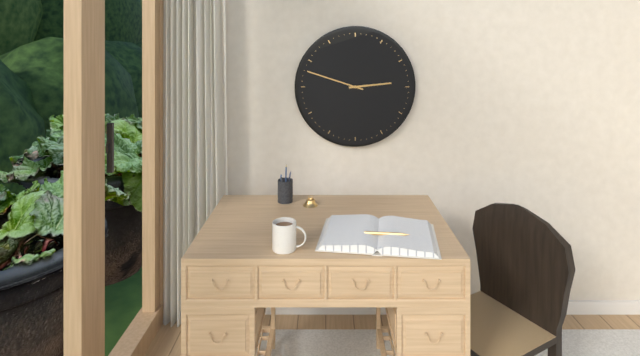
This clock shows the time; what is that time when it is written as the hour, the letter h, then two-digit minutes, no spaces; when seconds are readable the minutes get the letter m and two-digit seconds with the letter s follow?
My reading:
2h48
